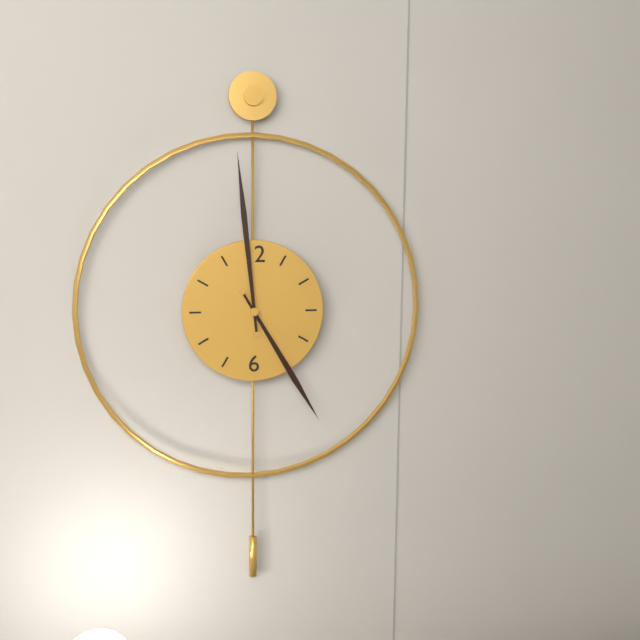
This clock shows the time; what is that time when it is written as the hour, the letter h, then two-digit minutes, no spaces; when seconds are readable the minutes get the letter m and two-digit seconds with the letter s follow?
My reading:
4h59
